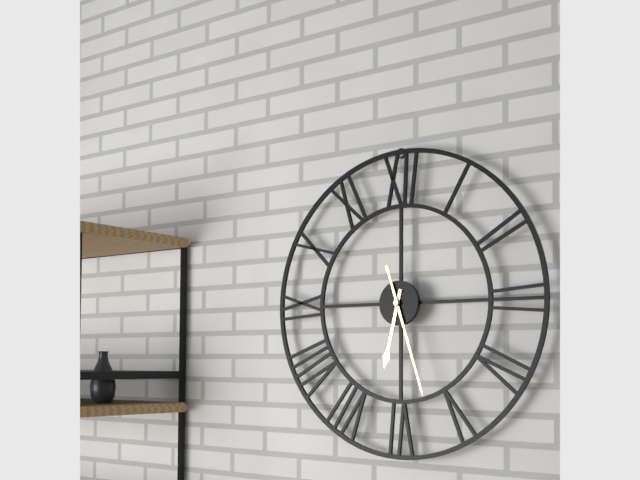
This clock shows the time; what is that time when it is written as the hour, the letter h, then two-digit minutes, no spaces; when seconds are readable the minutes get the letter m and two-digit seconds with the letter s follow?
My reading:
6h27
